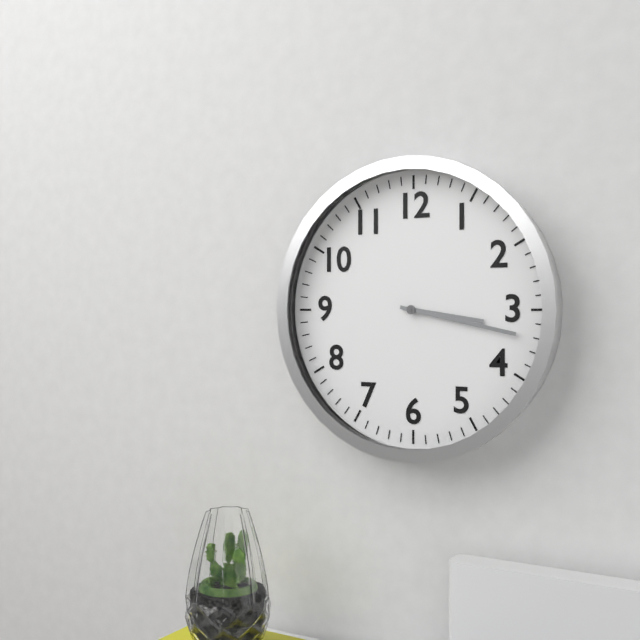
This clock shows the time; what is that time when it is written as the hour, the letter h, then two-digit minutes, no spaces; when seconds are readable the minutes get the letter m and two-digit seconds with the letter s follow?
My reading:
3h17
